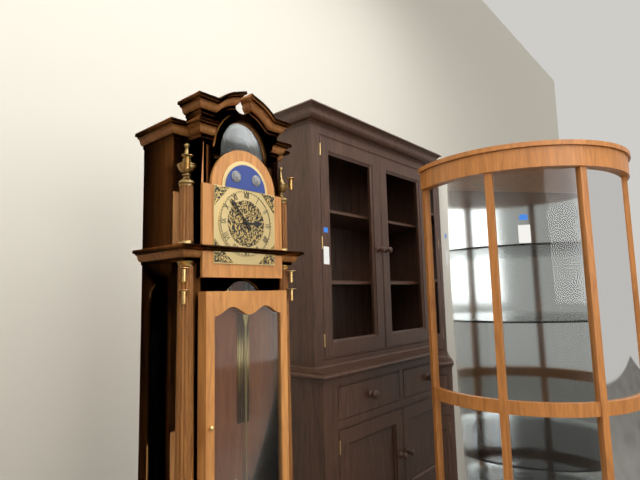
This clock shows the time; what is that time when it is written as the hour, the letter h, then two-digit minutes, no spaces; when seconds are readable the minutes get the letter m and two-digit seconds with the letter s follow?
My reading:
2h53
